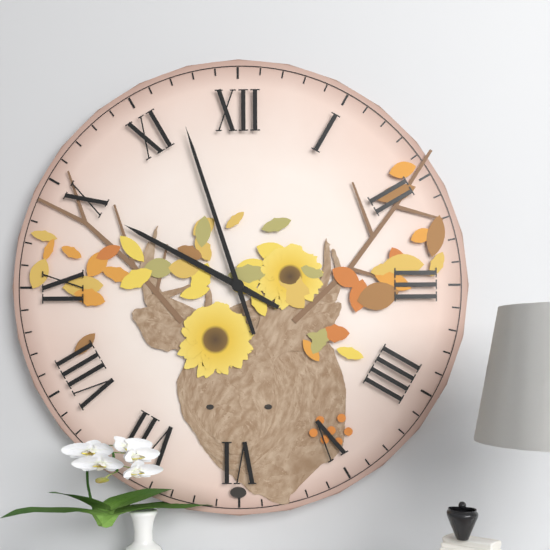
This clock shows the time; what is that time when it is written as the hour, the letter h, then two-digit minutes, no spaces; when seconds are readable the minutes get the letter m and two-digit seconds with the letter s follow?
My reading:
9h57
